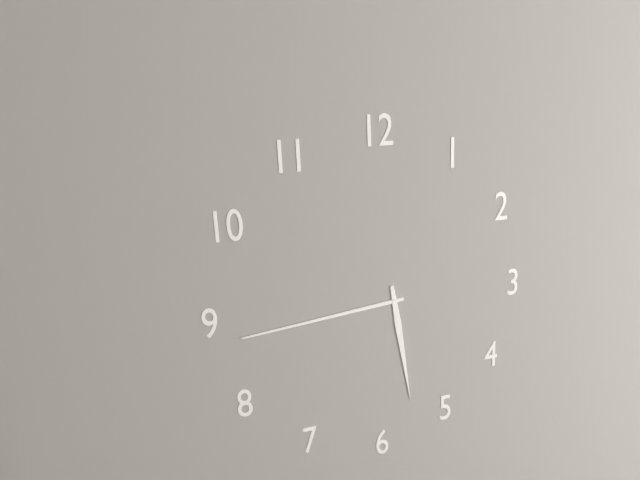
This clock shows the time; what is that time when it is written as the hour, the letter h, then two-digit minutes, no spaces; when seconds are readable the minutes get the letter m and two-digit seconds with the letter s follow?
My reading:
5h44
